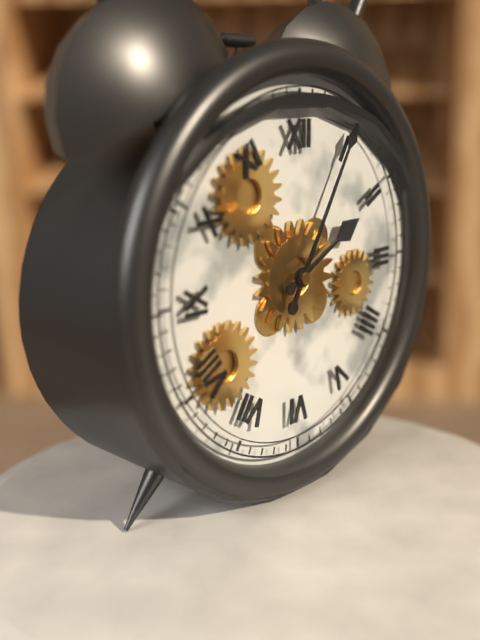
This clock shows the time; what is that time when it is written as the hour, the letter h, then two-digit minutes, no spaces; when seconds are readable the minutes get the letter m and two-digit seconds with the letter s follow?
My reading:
2h05
